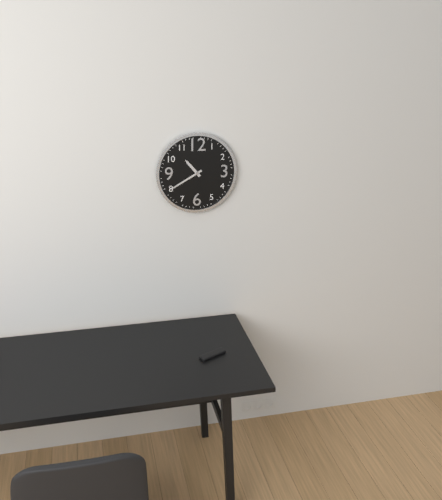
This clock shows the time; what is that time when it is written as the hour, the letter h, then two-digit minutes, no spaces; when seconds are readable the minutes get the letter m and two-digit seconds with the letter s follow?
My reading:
10h40
